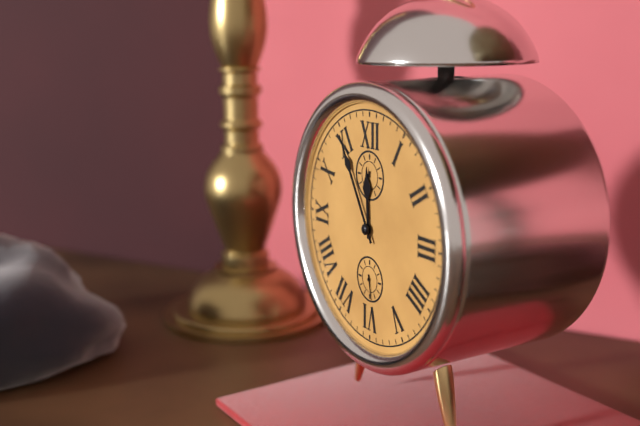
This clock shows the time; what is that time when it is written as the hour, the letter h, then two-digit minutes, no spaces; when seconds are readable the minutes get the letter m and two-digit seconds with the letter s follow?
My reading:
11h55
